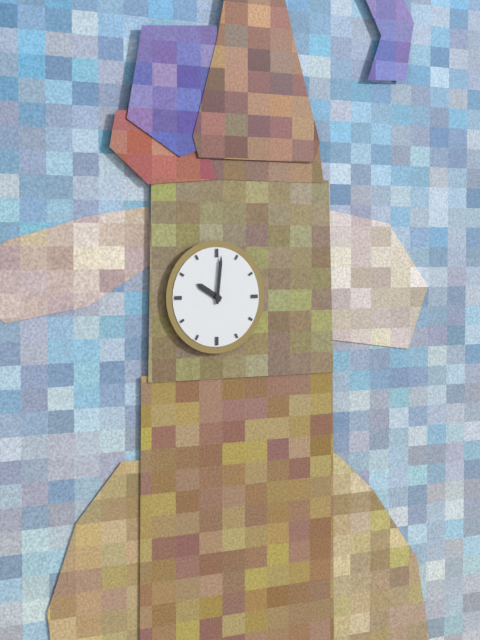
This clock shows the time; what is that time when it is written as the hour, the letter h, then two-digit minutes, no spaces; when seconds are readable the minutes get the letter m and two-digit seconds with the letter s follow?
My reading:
10h01
